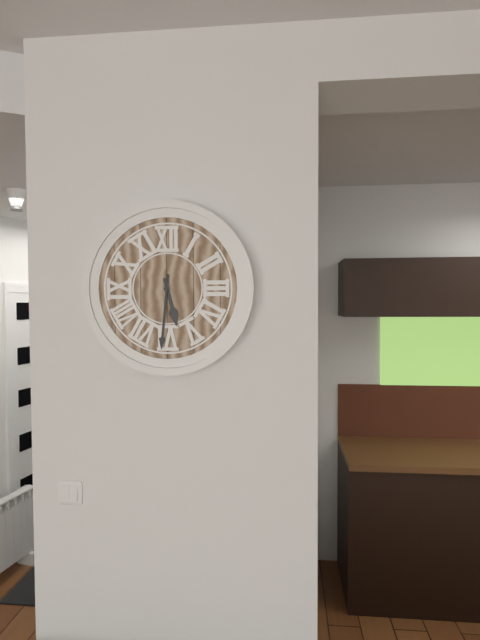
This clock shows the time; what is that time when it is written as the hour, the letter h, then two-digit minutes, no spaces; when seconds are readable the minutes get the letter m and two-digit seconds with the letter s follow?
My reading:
5h31
